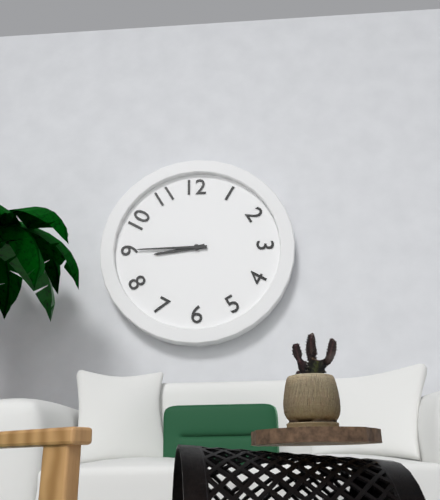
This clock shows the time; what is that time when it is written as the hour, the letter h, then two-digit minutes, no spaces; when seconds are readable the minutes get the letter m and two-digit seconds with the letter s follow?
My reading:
8h45
